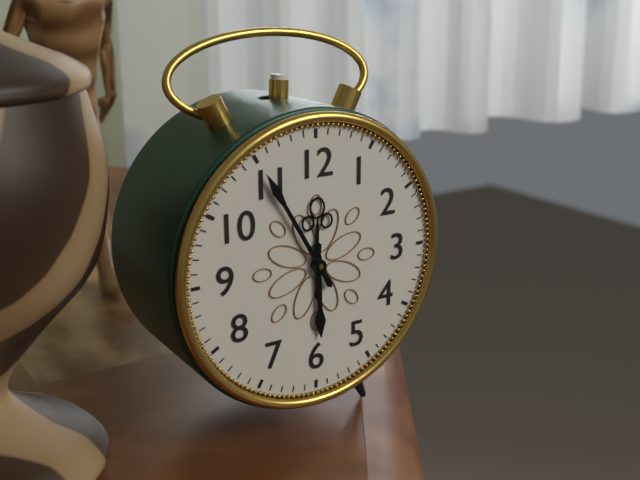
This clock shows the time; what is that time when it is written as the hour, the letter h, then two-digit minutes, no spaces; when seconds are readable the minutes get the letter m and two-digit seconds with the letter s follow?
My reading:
5h55
